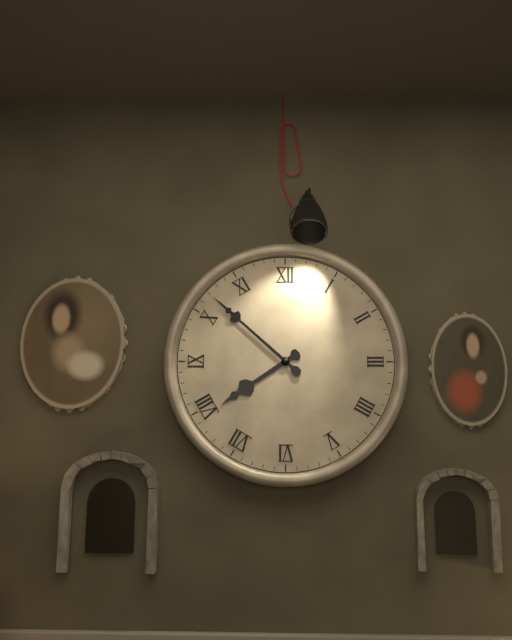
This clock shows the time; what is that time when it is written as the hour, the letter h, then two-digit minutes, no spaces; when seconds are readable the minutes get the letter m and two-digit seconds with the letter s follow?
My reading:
7h52
